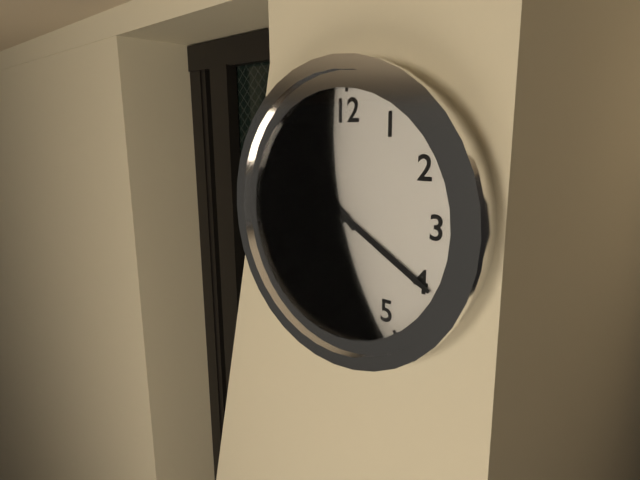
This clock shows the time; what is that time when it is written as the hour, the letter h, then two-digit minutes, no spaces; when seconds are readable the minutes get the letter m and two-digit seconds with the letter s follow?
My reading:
10h20
